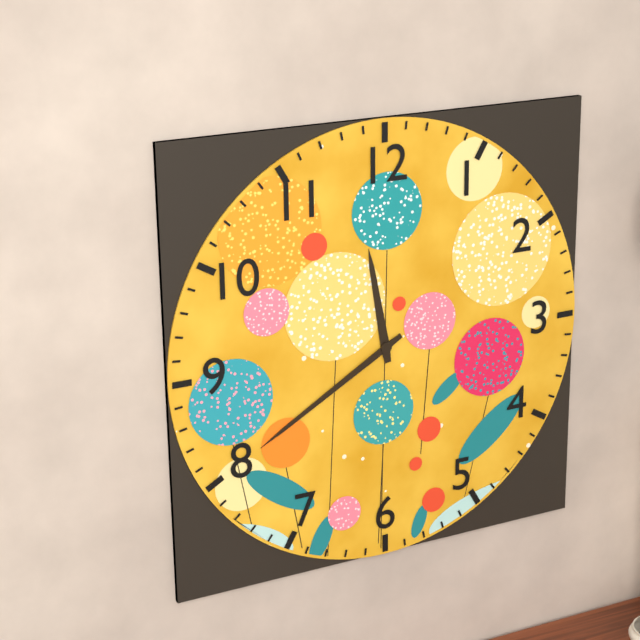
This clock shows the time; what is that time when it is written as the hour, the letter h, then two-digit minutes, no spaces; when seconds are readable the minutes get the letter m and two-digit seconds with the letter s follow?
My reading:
11h40
